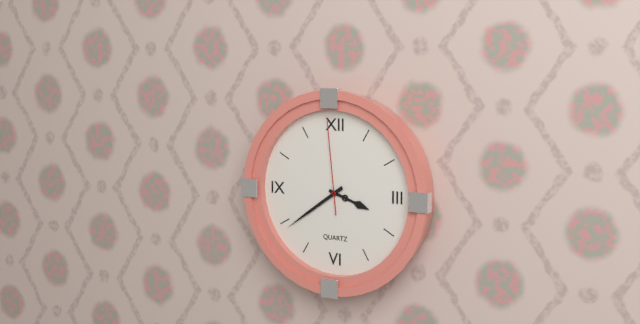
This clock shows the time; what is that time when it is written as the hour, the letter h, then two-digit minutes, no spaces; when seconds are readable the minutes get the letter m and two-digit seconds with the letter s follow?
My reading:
3h39m59s
